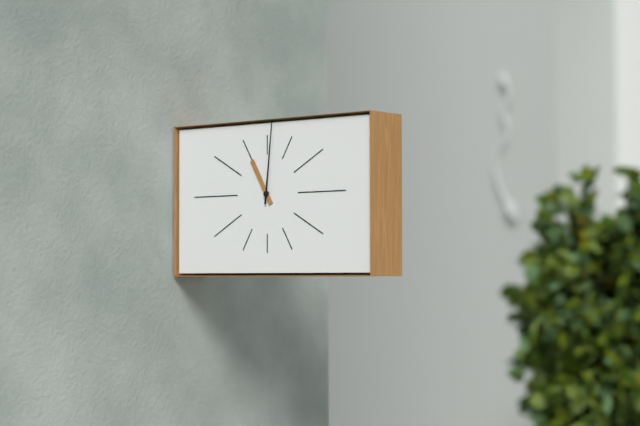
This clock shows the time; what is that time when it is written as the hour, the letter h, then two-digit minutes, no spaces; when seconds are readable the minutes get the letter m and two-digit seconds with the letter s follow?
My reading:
11h01
